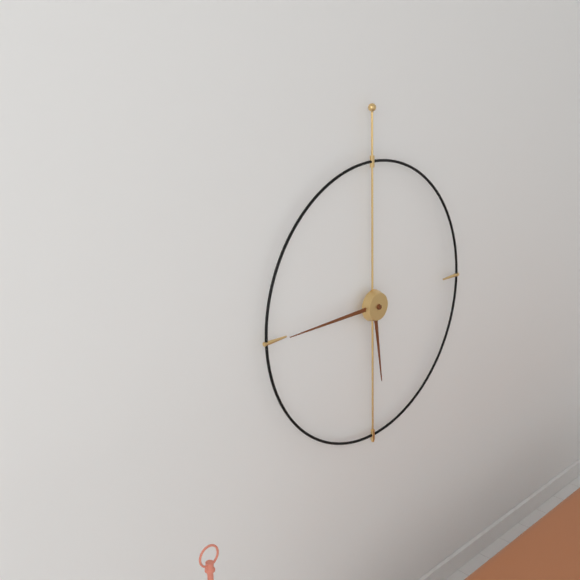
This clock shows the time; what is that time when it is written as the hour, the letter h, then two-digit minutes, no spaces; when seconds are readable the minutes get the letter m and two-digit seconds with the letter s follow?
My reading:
5h45
